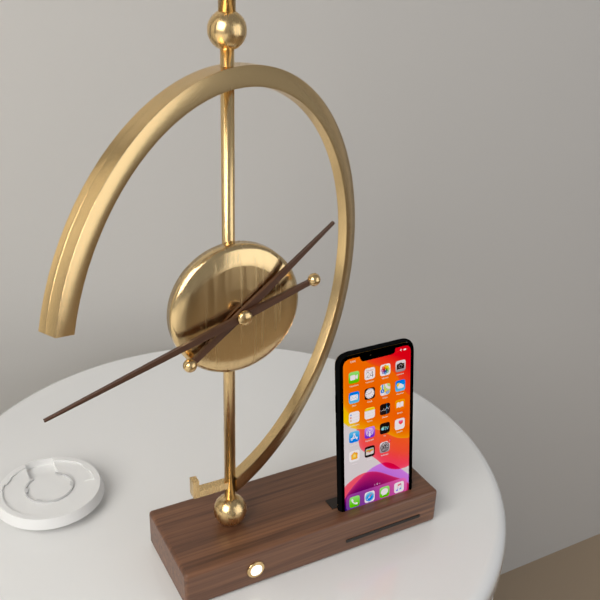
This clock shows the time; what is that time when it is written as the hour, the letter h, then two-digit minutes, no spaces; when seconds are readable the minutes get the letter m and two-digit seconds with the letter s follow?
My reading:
1h42
